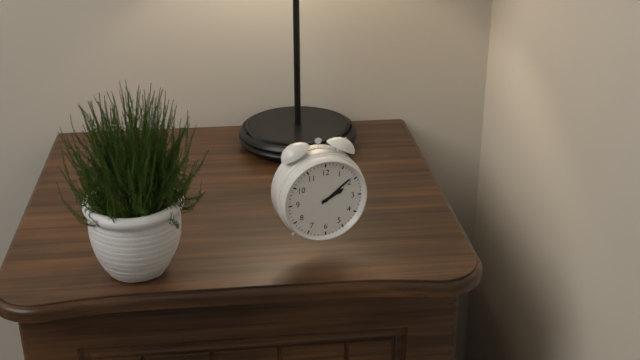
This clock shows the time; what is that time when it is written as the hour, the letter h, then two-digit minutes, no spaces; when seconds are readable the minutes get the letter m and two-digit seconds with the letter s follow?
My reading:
2h09
